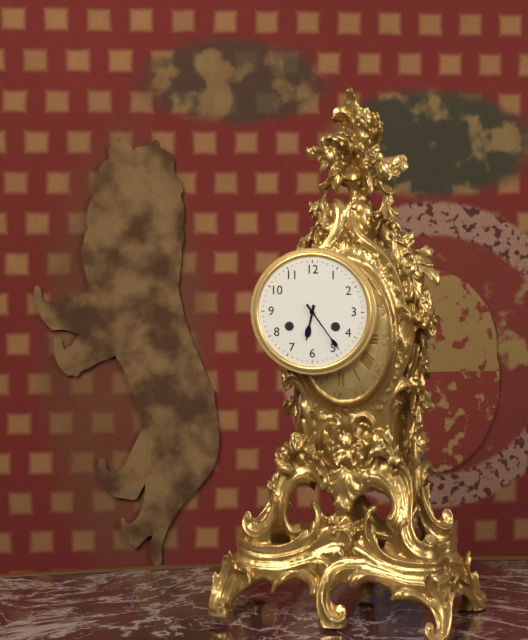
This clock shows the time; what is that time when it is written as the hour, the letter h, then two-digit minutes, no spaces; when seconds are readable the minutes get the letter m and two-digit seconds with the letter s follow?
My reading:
6h24
